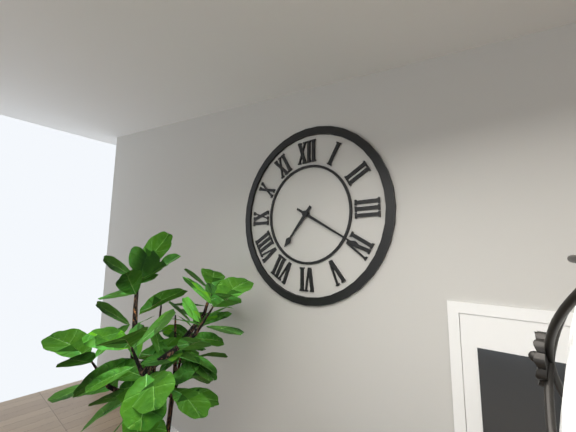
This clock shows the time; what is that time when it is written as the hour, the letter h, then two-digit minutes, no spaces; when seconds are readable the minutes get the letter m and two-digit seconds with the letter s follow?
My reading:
7h20
